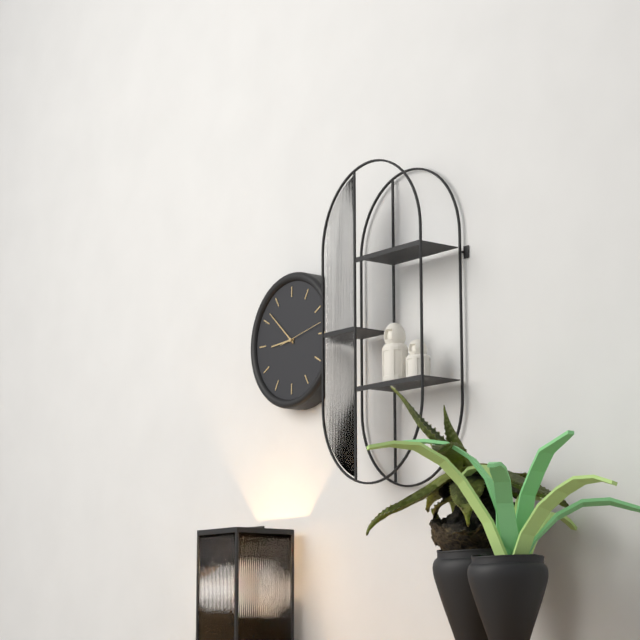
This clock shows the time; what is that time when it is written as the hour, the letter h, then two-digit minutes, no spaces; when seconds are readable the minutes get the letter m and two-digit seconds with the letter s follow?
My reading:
8h52
